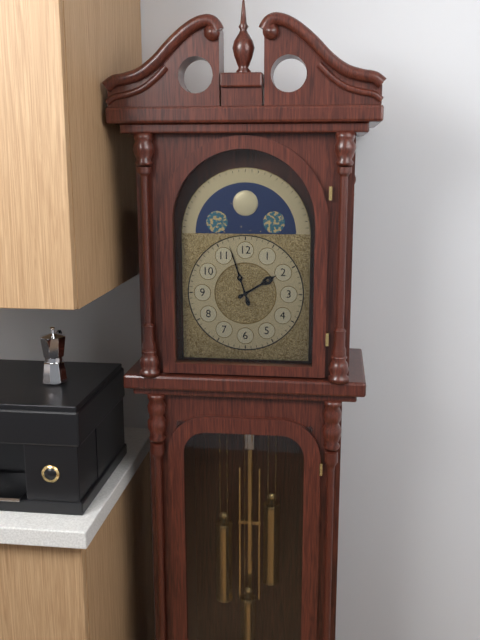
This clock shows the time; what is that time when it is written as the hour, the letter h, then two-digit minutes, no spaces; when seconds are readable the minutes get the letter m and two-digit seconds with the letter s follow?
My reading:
1h57
